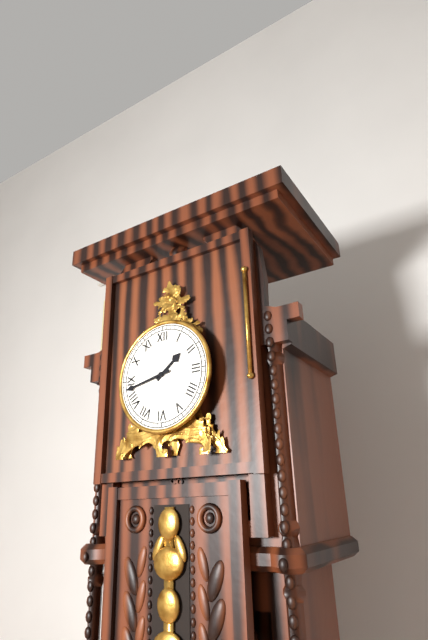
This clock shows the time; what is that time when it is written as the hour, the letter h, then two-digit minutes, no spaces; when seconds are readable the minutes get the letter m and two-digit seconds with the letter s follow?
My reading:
1h43
